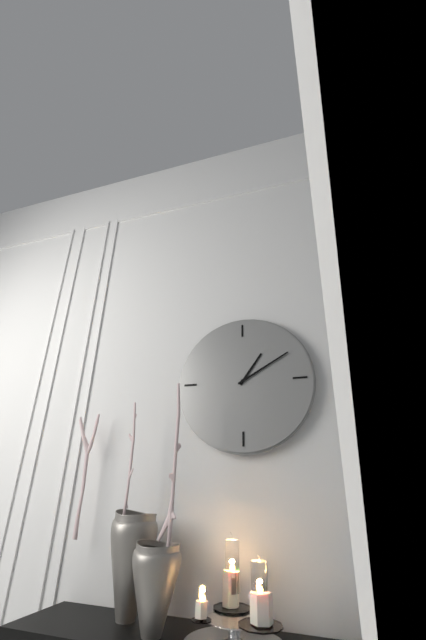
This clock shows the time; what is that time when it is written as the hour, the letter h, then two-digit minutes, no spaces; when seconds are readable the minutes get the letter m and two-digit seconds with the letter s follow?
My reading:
1h10
